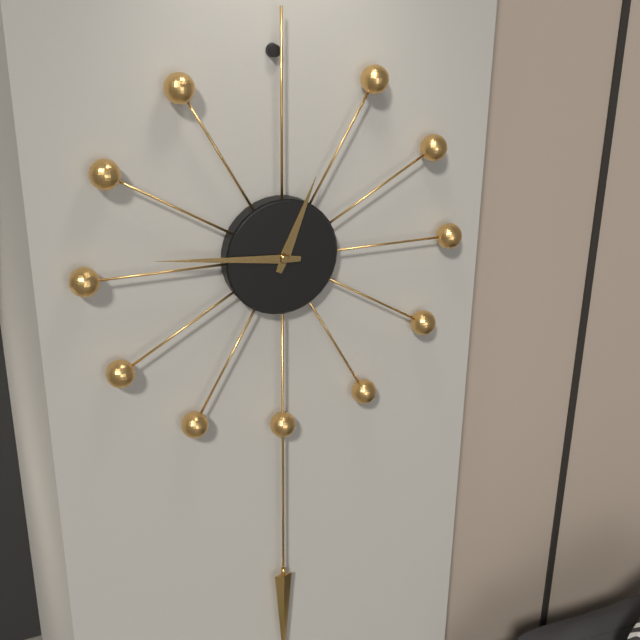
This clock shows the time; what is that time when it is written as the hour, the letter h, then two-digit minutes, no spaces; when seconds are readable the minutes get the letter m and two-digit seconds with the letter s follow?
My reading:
12h46
